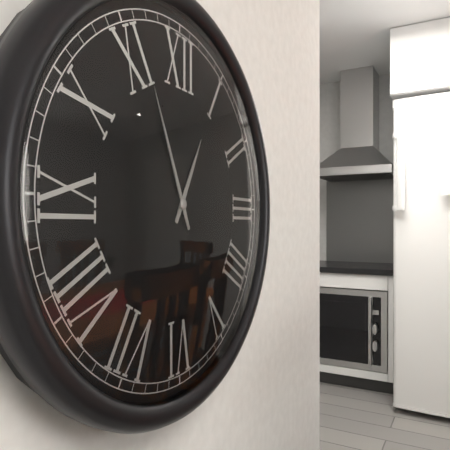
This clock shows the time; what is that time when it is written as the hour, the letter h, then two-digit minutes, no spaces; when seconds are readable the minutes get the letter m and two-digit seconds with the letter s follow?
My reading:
12h56
